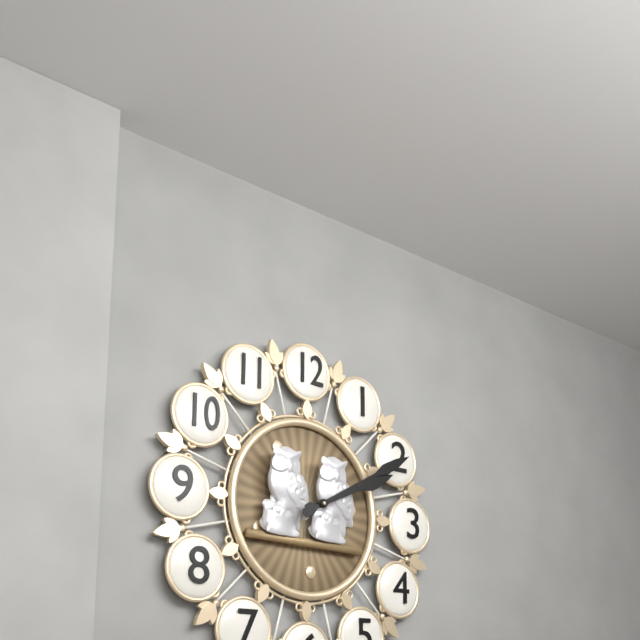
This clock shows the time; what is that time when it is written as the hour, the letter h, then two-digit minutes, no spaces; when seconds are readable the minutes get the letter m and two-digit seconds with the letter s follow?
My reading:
2h10
